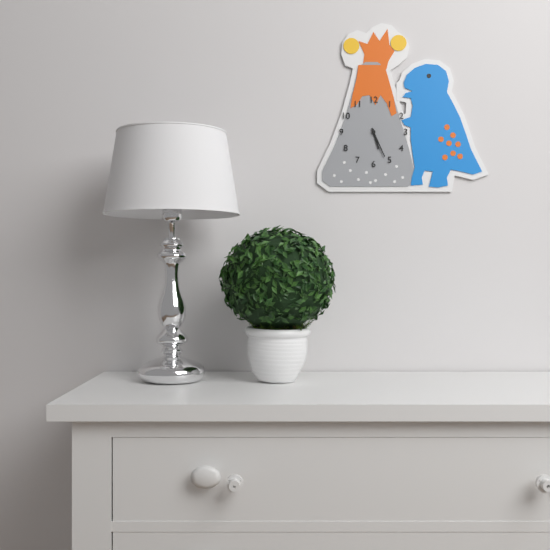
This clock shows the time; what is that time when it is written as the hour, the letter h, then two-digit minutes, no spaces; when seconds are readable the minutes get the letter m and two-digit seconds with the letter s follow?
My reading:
5h26
